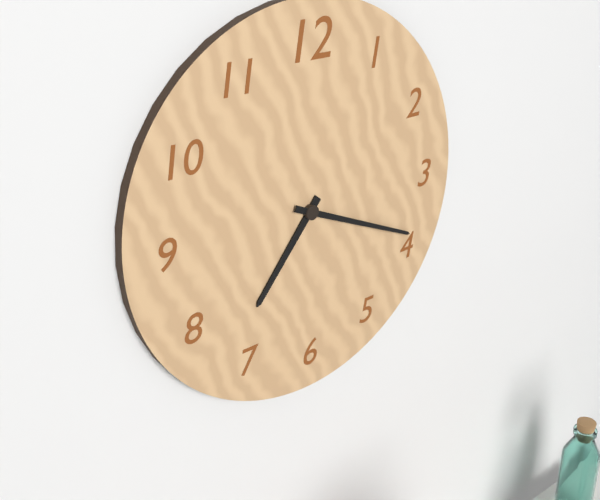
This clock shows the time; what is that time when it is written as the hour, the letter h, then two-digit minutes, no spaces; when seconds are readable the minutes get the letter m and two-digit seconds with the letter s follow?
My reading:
7h19
